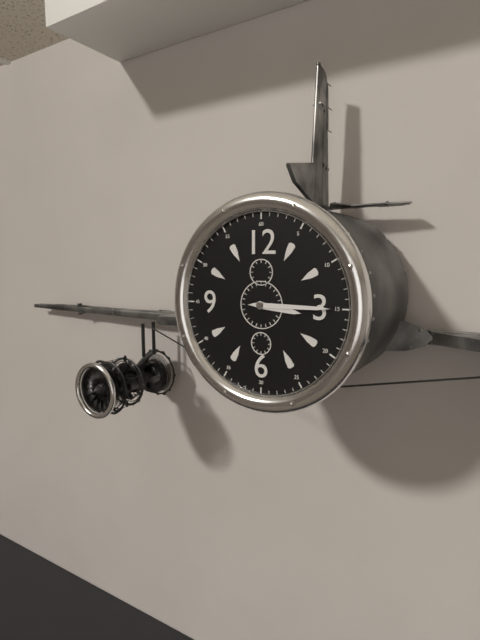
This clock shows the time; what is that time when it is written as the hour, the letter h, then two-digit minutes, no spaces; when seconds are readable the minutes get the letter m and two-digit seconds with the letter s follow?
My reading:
3h15
